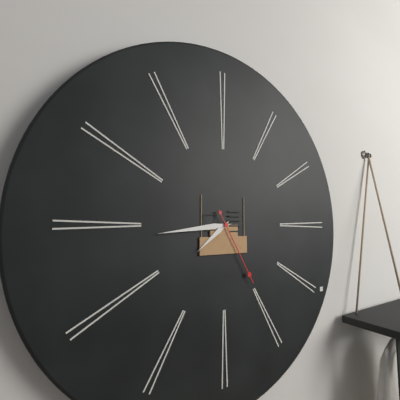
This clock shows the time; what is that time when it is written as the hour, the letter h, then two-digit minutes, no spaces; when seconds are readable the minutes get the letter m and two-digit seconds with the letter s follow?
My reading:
7h44m25s
